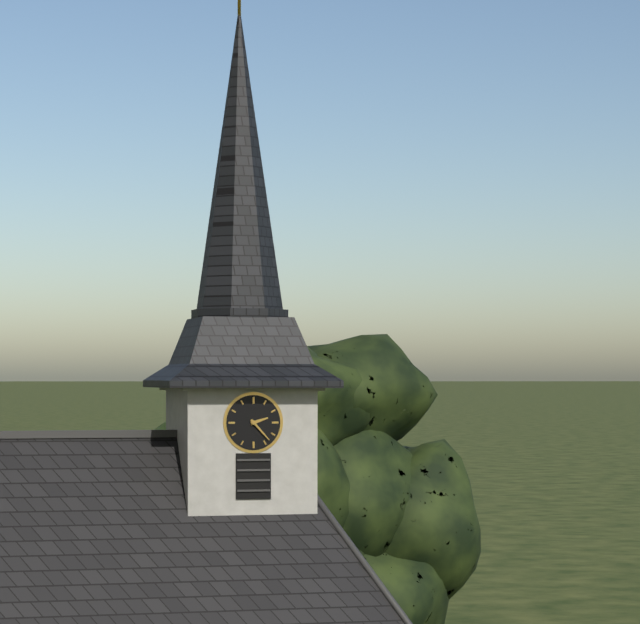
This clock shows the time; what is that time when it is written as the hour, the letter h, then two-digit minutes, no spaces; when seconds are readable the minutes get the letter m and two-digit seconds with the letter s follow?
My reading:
2h23
